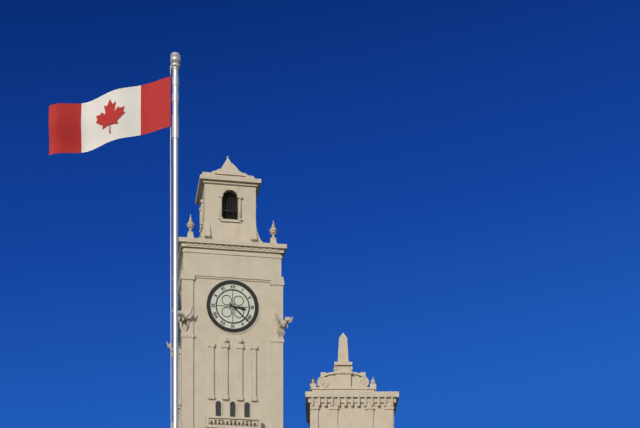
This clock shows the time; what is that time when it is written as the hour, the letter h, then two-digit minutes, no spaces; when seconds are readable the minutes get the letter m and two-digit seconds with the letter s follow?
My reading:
3h22
